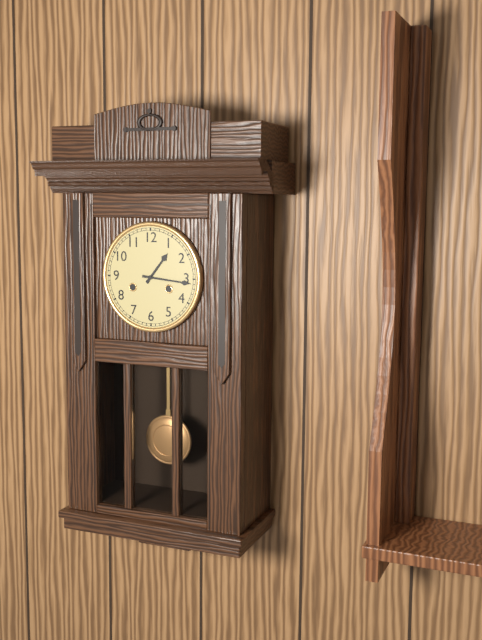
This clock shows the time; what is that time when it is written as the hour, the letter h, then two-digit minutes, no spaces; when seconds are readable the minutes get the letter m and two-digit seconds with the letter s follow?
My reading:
1h16
